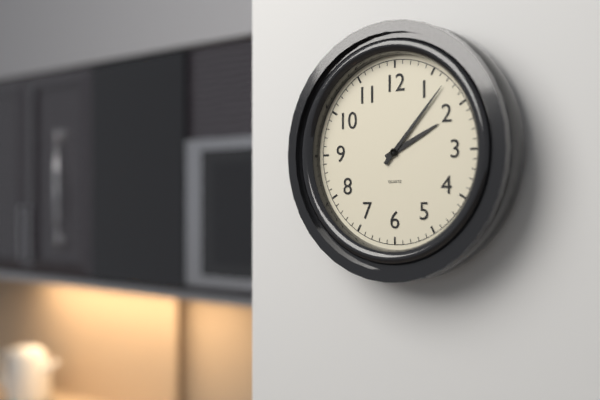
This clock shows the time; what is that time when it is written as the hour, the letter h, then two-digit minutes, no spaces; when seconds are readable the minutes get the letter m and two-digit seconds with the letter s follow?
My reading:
2h07
